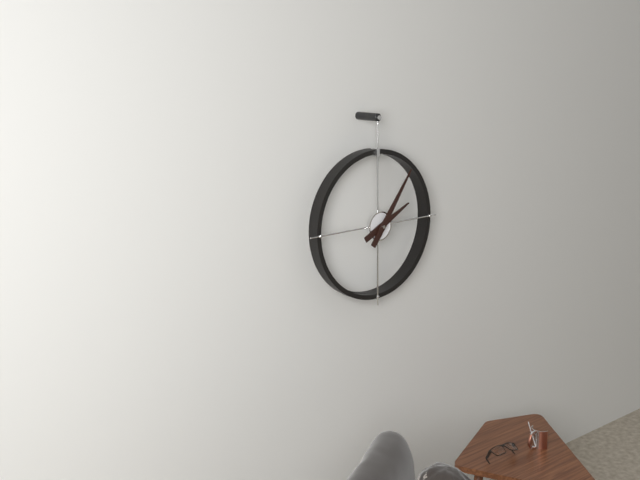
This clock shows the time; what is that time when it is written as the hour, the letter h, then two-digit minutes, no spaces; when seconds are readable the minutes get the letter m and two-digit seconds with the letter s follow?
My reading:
2h06
